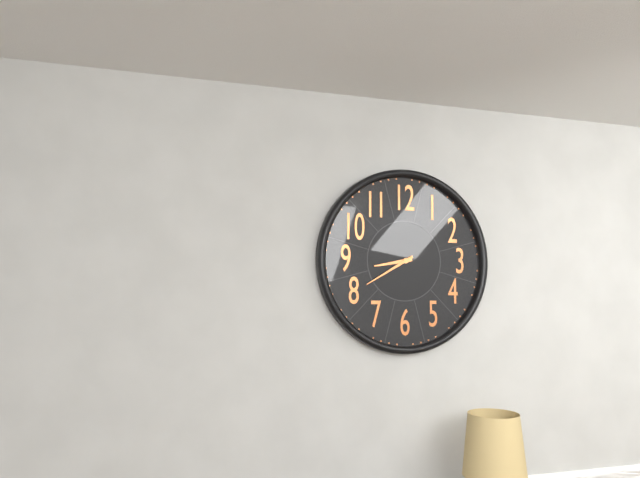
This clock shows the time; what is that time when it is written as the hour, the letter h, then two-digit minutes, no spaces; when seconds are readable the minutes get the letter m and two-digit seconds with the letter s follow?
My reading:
8h40
